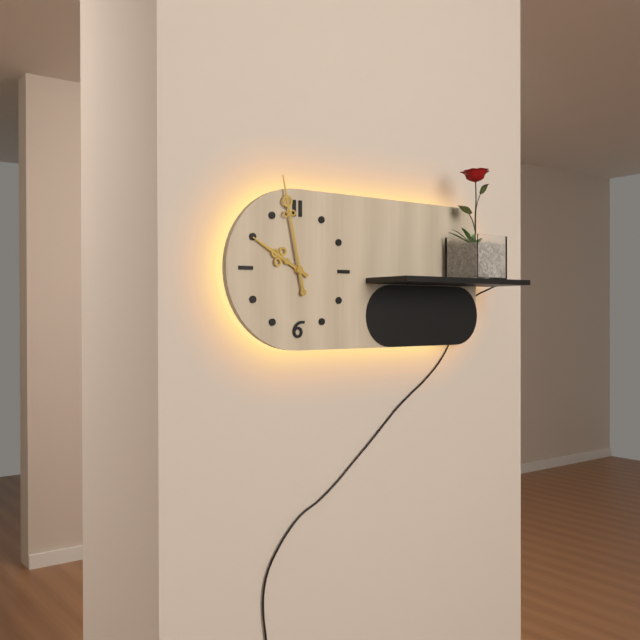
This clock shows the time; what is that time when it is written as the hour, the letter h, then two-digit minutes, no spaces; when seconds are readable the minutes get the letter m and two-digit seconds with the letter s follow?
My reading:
9h58
